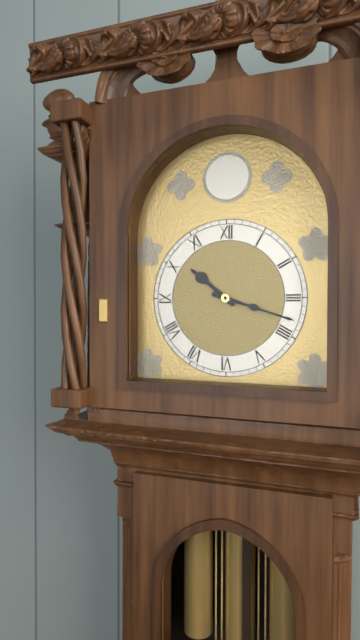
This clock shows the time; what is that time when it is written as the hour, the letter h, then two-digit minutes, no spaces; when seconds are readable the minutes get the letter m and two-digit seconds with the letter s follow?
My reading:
10h18
